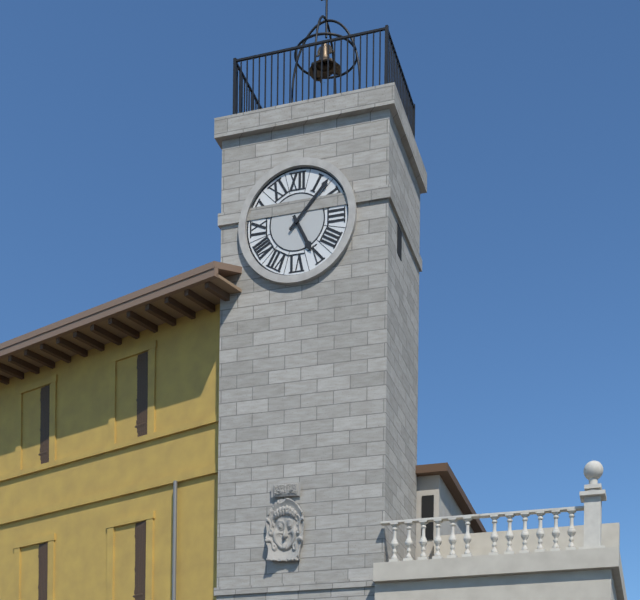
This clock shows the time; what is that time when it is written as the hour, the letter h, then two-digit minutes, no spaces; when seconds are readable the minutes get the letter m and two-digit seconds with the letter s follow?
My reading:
5h07
